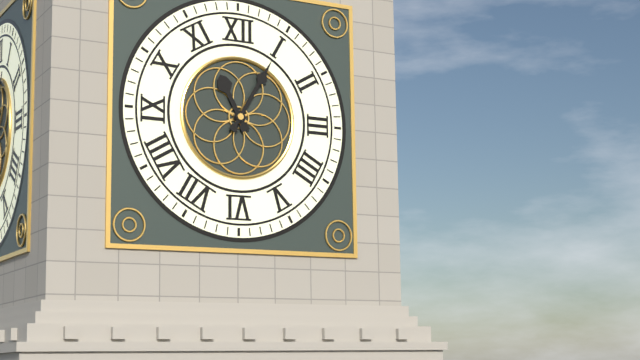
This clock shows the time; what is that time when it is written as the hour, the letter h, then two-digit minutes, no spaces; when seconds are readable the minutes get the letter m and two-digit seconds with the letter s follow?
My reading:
11h05
